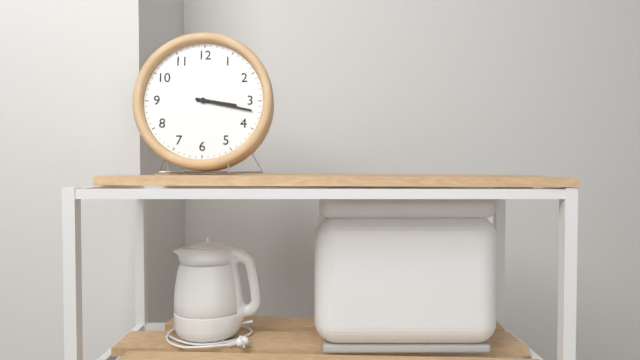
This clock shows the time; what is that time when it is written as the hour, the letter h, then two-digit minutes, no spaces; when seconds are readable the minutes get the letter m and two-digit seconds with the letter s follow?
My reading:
3h17
